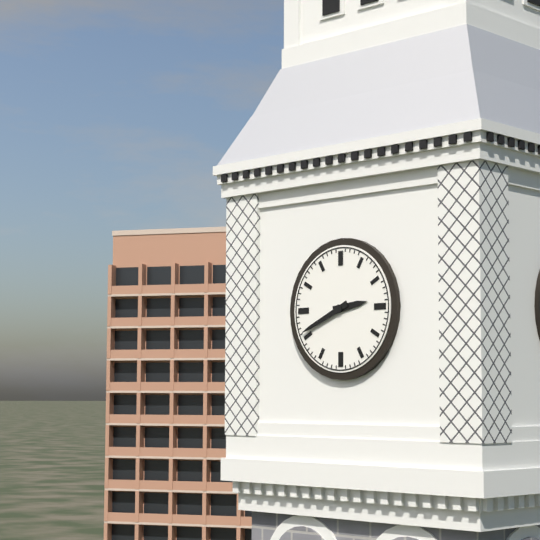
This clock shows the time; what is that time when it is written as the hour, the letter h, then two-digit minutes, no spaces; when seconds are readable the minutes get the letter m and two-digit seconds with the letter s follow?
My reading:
2h41
